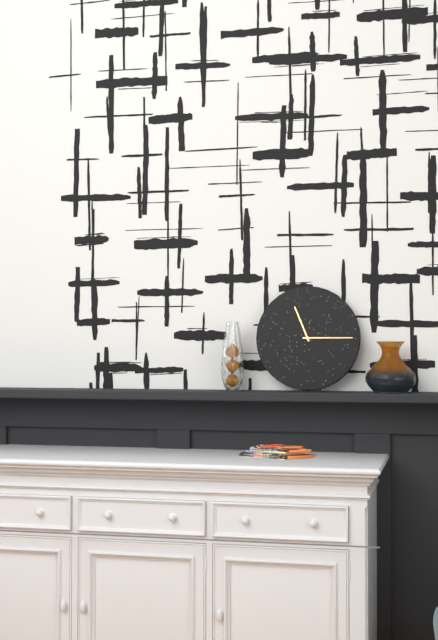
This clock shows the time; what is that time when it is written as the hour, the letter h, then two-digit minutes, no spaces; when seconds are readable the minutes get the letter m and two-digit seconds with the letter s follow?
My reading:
11h15
